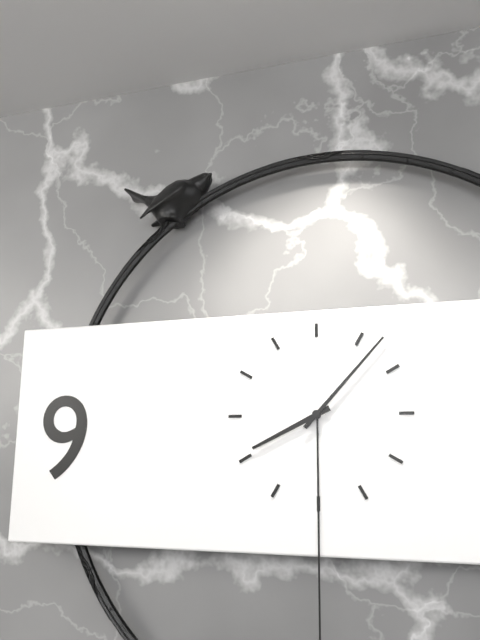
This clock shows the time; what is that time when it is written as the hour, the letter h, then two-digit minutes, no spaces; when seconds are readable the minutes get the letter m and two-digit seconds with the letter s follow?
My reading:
8h07
